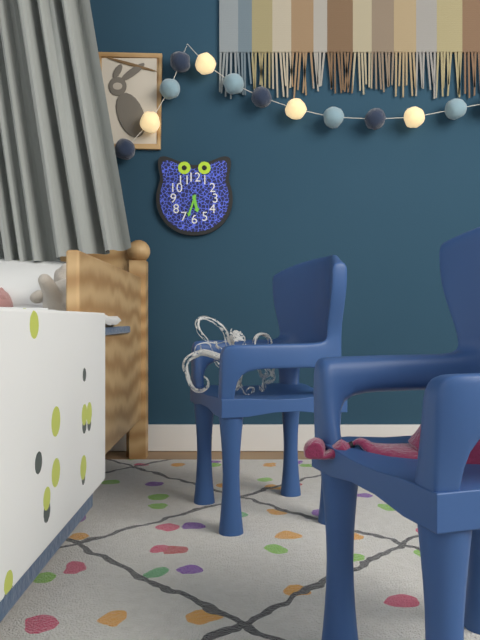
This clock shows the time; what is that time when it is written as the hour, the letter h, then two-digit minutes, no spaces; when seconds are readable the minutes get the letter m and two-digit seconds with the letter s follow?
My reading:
5h33
